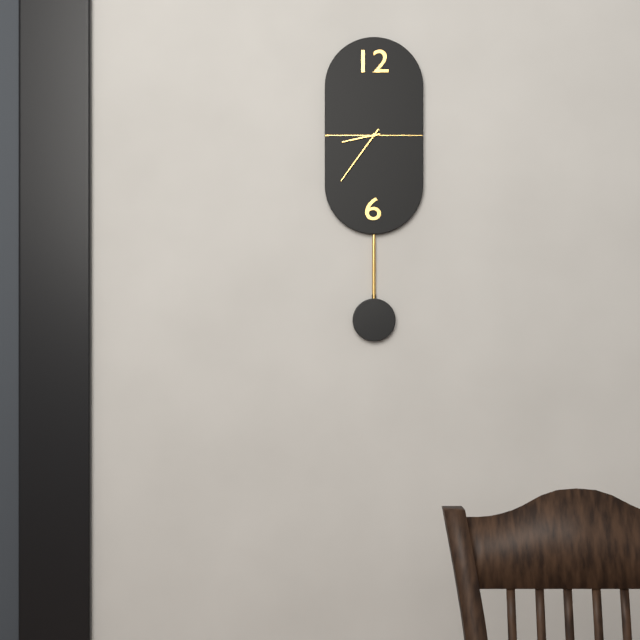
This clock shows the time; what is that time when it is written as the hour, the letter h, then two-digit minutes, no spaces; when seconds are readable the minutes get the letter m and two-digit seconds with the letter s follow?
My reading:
8h36
